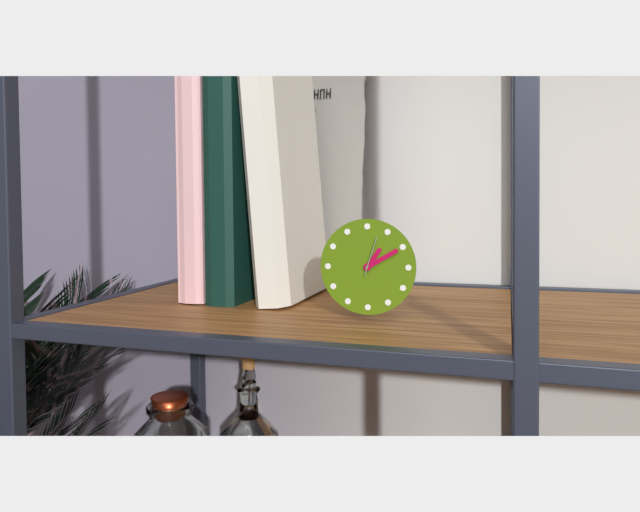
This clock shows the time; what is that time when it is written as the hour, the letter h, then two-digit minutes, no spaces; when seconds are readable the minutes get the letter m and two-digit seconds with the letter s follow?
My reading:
1h10
